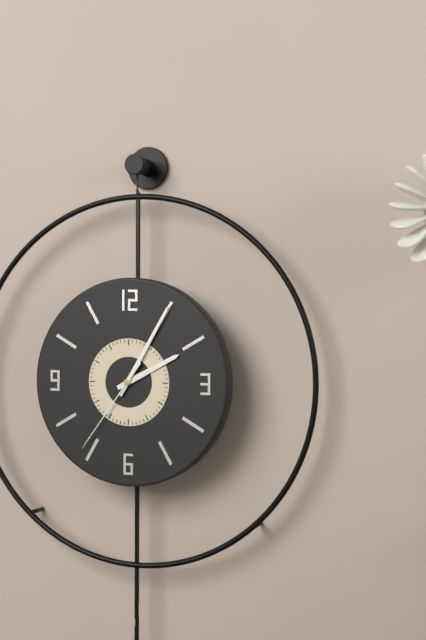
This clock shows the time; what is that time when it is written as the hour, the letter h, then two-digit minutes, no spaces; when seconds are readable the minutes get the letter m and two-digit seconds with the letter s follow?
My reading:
2h05m36s
